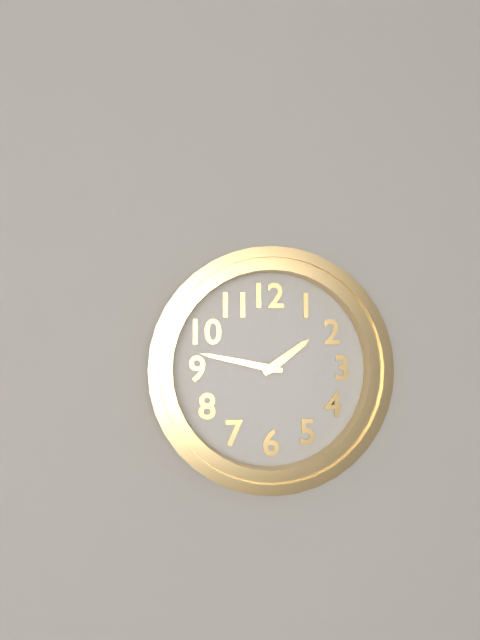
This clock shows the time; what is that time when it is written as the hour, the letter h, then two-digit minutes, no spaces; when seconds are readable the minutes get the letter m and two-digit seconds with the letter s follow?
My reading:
1h47
